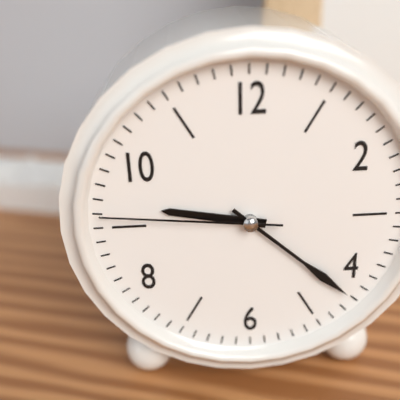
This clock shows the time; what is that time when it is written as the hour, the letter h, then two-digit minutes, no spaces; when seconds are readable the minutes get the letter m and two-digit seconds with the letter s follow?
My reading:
9h22m46s
